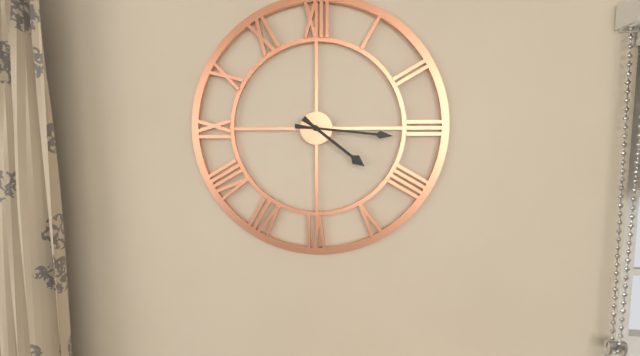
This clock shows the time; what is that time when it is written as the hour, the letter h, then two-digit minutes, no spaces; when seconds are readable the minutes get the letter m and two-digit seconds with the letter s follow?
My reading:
4h16
